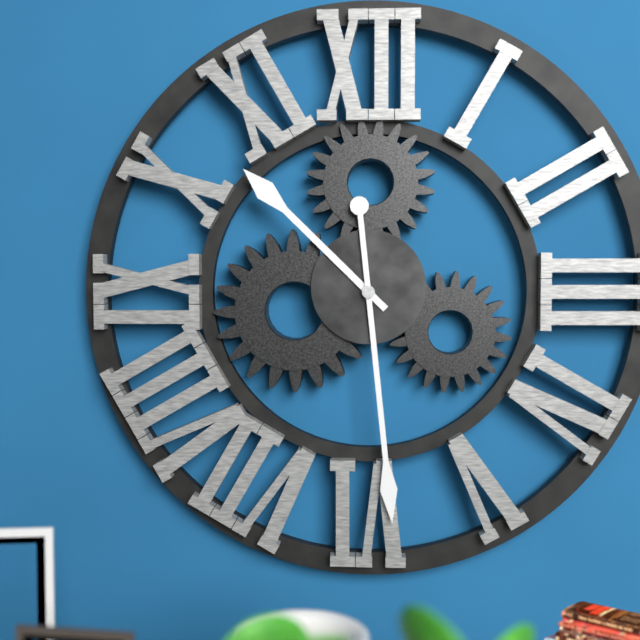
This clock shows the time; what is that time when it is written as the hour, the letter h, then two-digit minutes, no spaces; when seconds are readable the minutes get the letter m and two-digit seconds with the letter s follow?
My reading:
10h29
